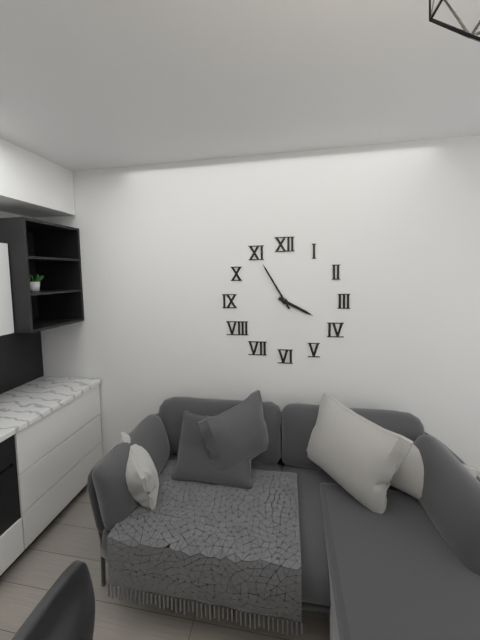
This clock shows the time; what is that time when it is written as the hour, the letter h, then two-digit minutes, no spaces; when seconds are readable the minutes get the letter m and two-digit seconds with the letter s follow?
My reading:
3h55
